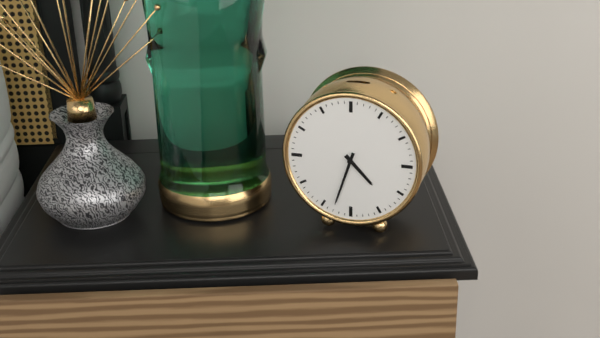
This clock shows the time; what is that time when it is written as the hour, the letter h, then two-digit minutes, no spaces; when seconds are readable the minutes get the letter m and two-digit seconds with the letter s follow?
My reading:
4h33
